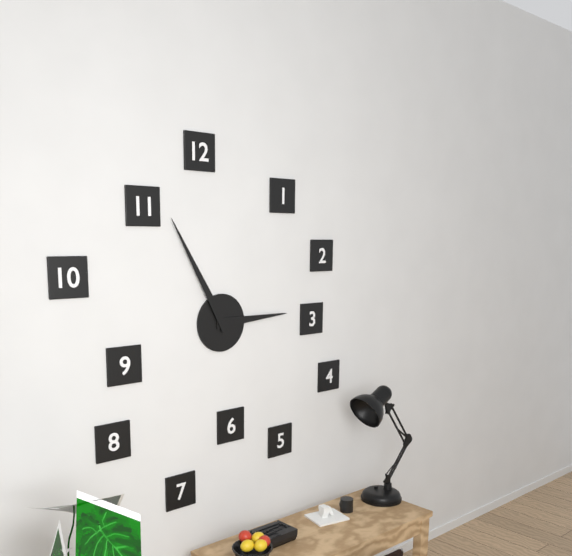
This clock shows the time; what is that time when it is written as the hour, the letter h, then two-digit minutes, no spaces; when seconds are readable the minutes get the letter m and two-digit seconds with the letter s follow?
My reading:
2h55
